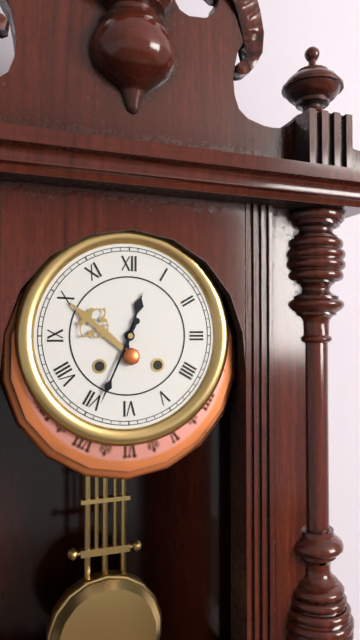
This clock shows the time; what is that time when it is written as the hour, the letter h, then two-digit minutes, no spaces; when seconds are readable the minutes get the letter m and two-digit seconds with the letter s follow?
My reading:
12h34
